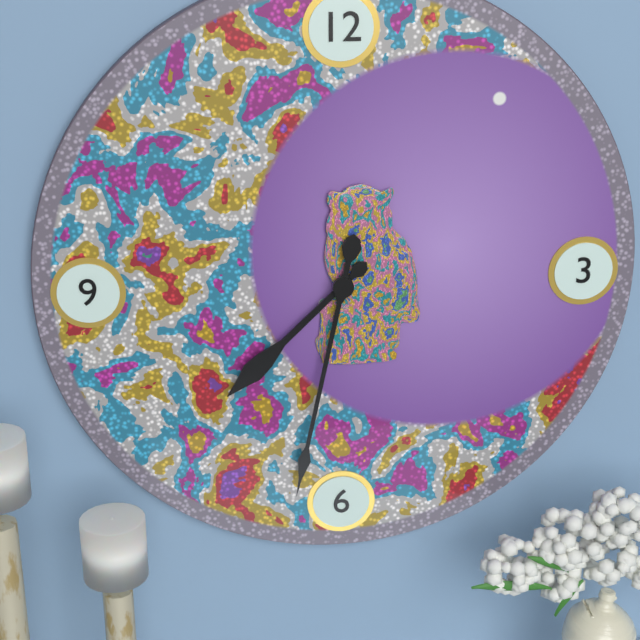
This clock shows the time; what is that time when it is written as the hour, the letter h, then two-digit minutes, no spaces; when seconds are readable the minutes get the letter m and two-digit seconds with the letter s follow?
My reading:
7h32
